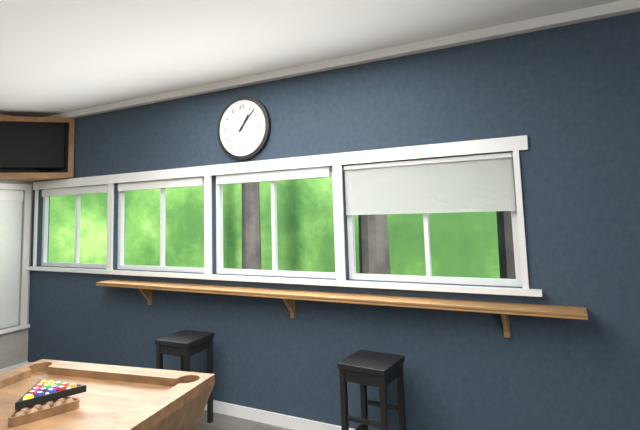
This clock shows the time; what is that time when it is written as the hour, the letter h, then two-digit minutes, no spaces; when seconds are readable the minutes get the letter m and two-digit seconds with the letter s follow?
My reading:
1h07
